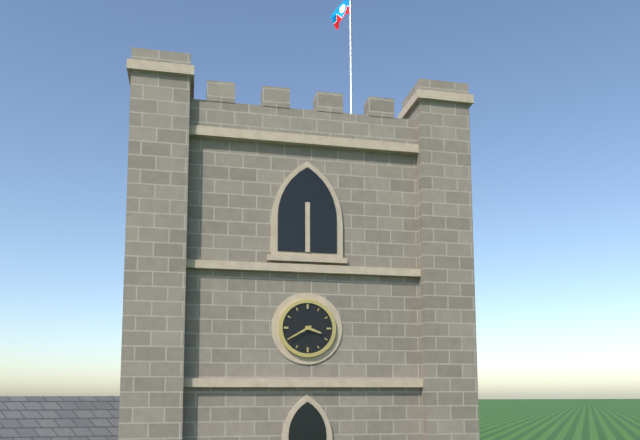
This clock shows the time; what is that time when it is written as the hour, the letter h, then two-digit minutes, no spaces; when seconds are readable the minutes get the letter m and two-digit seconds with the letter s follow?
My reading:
3h40
